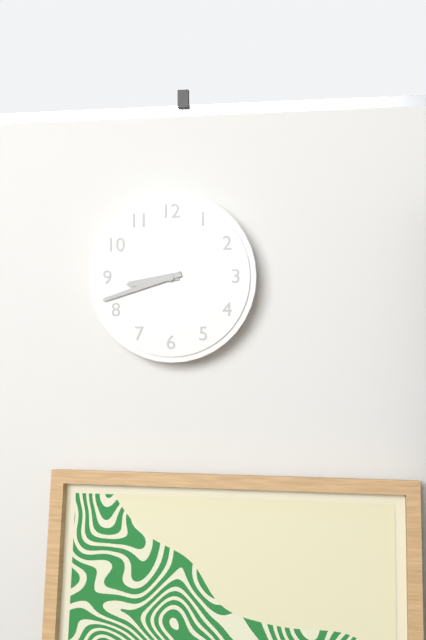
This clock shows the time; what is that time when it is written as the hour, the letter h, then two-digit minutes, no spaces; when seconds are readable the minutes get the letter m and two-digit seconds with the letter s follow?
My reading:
8h42
